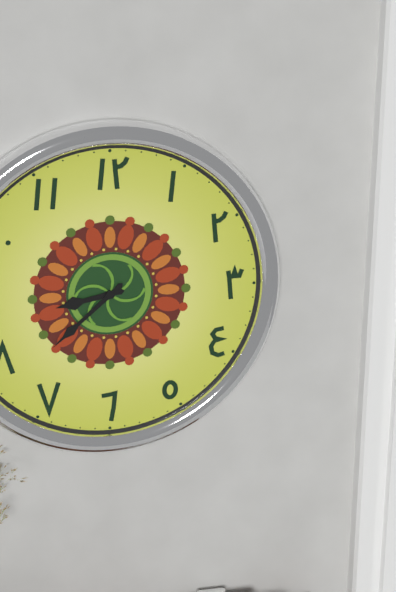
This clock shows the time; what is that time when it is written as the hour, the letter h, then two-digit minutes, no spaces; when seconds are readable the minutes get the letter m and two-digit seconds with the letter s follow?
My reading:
8h38
